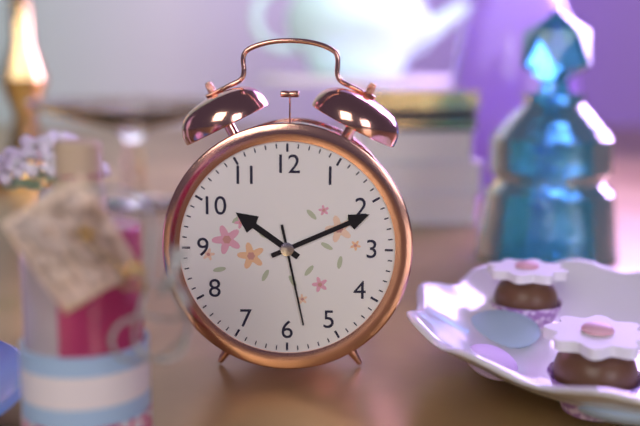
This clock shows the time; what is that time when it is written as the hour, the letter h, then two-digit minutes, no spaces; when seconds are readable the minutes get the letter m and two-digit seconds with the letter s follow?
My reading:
10h11m28s
